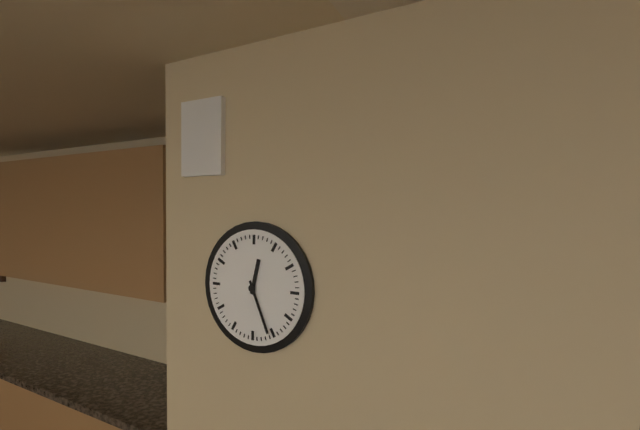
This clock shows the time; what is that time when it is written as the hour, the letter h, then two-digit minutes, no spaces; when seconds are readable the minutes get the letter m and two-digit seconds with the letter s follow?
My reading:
12h26
